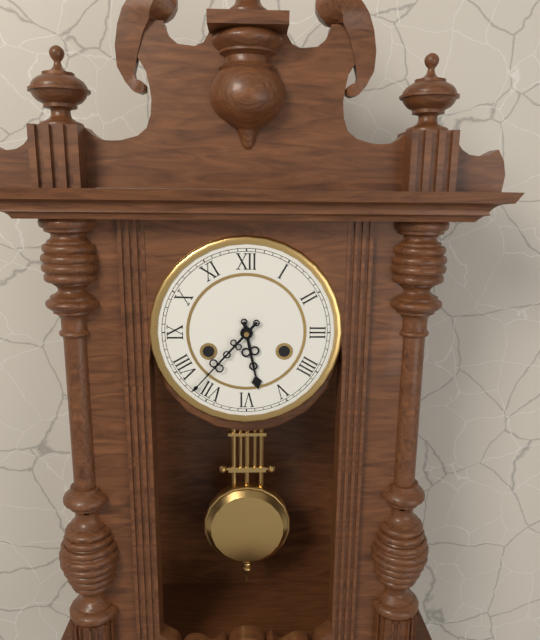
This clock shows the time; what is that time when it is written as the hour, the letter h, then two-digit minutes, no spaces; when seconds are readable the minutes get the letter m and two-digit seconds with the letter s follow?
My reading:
5h37
